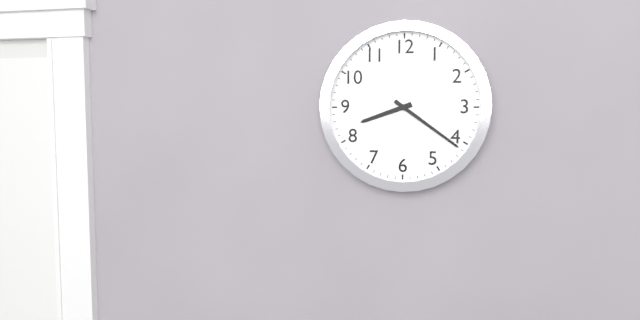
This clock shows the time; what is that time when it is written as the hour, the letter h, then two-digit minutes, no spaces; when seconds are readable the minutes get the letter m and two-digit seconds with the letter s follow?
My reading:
8h21
